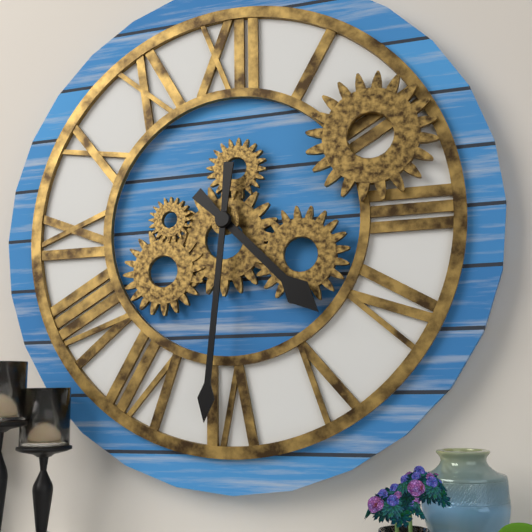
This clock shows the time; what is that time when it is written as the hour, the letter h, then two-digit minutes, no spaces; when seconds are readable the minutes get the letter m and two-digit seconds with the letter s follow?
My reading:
4h31
